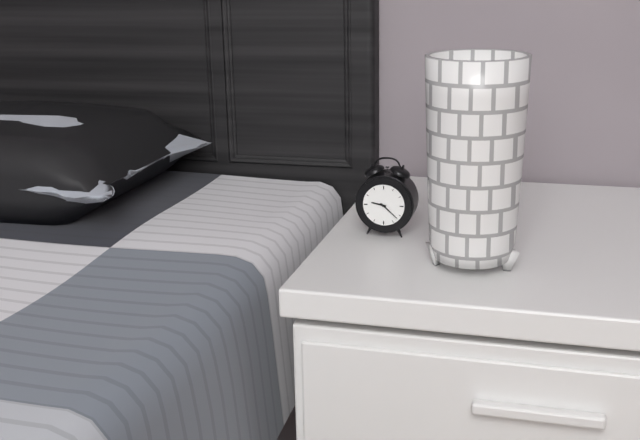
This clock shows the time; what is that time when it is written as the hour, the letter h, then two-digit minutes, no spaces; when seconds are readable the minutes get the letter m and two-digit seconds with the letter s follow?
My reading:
9h22
